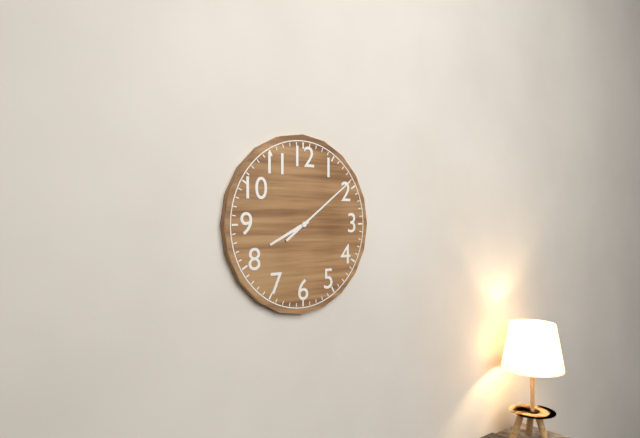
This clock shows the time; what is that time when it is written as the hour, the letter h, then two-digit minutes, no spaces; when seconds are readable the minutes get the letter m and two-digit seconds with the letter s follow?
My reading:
8h09
